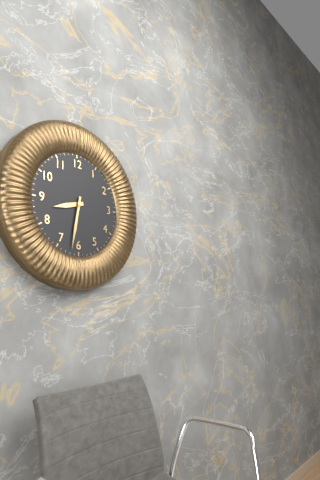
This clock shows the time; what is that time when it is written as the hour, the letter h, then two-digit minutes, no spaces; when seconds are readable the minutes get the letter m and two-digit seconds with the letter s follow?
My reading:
8h32
